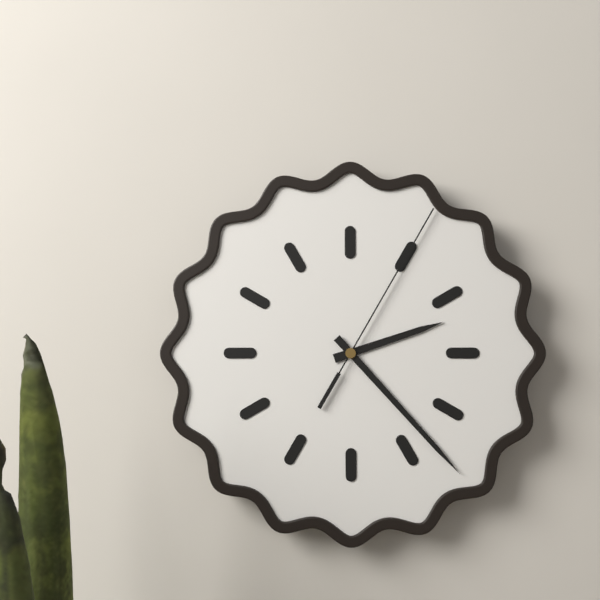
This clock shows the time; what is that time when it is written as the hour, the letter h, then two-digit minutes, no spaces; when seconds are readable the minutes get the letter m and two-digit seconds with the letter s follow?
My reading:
2h23m05s
